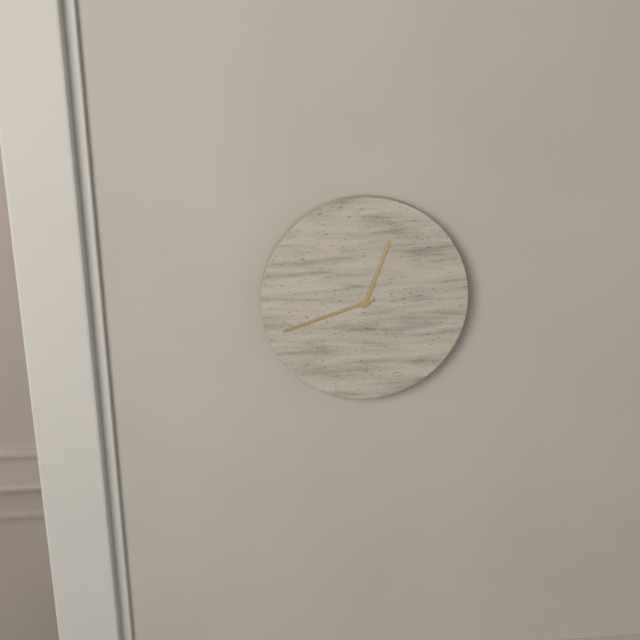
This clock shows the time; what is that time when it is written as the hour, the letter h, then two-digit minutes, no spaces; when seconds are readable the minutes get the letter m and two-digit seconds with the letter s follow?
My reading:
12h42
